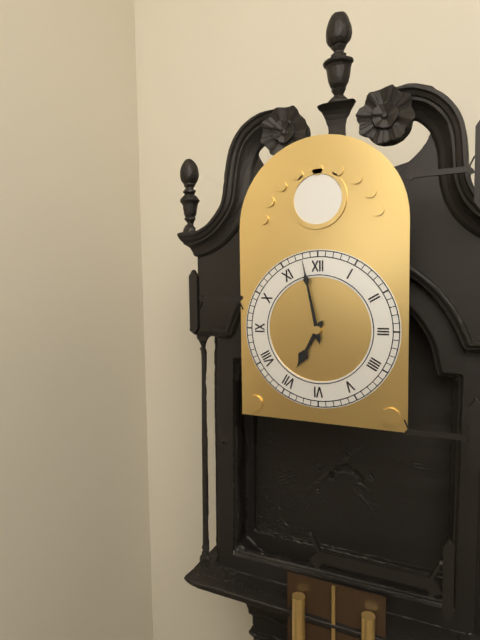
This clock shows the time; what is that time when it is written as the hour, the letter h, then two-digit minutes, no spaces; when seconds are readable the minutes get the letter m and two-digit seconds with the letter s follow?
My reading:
6h58
